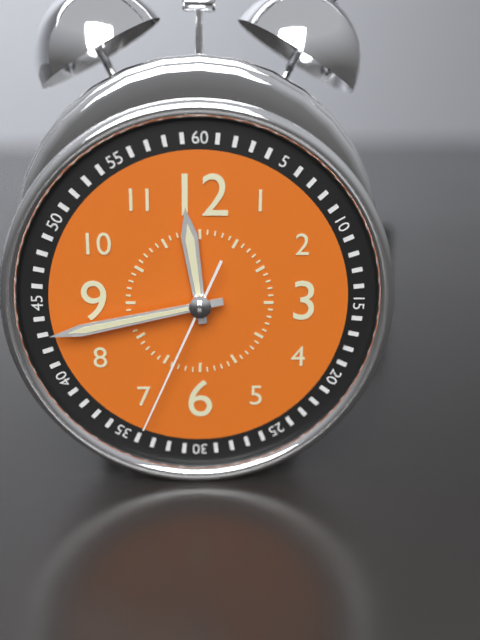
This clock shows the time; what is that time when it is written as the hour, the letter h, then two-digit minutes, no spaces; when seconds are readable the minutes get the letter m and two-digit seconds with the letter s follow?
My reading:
11h43m34s
